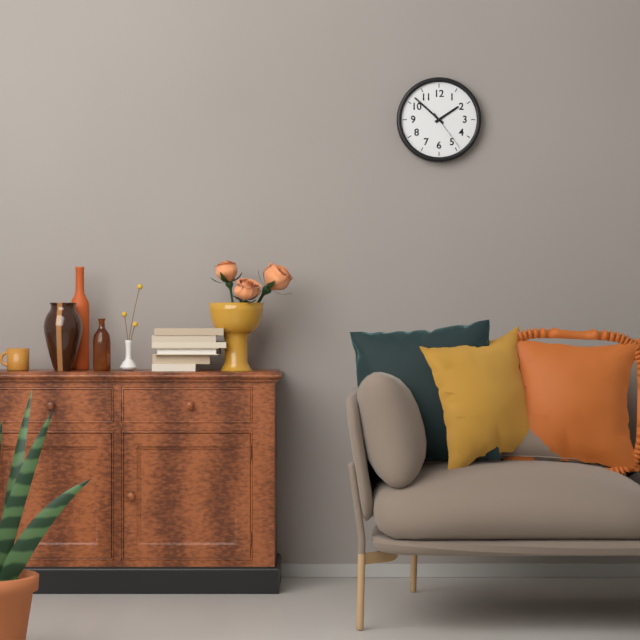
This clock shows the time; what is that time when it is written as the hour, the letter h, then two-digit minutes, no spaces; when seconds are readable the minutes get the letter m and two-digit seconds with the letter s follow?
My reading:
1h52
